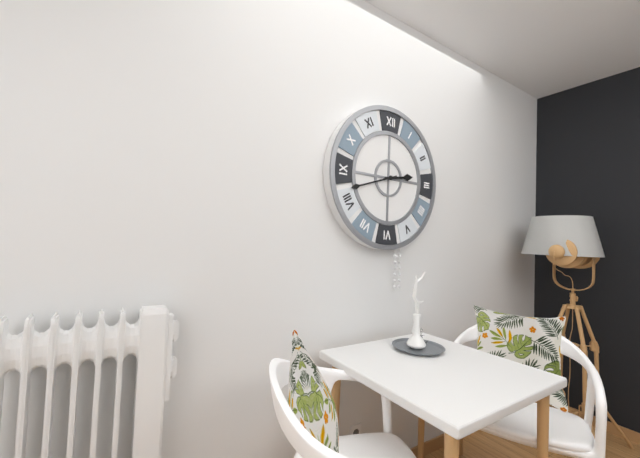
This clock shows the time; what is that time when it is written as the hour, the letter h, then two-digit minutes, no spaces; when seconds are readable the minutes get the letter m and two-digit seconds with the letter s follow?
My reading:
2h42
